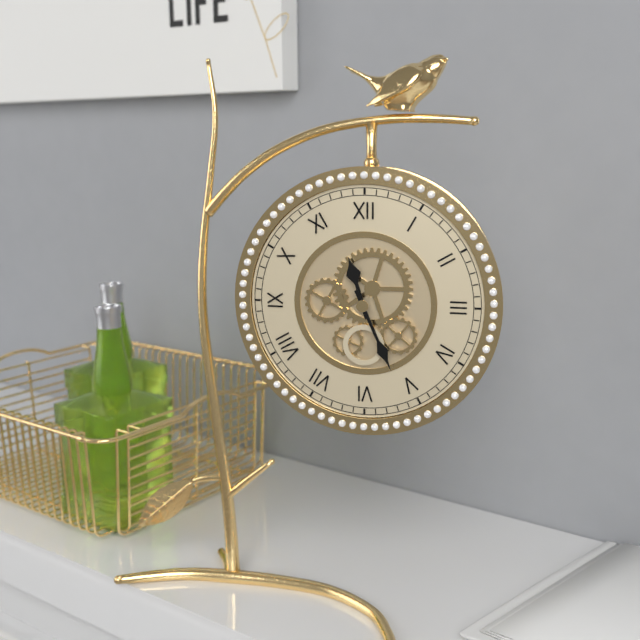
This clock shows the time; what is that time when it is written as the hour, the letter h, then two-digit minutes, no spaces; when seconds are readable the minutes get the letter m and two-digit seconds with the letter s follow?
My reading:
11h26
